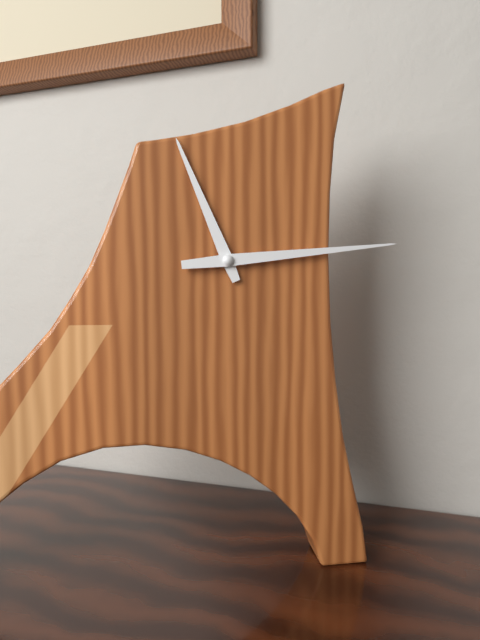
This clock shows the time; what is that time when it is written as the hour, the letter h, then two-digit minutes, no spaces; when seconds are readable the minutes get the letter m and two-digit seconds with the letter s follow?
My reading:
11h14
